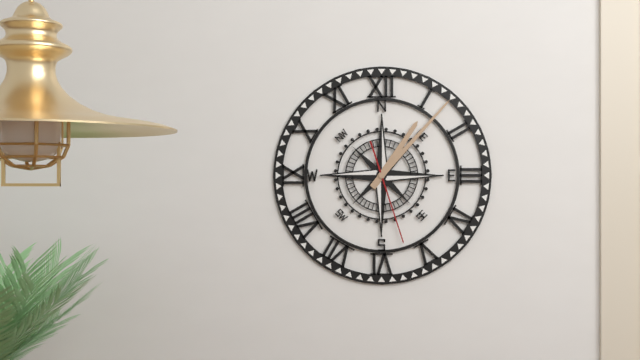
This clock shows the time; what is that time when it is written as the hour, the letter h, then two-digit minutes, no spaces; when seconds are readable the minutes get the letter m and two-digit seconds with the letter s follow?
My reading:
1h07m27s
